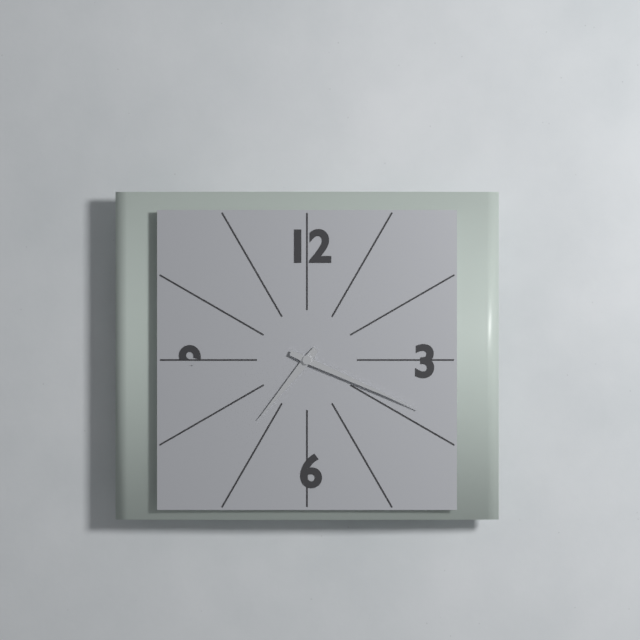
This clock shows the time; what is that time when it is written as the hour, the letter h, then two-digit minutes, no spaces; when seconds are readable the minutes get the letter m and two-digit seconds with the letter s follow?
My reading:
7h19
